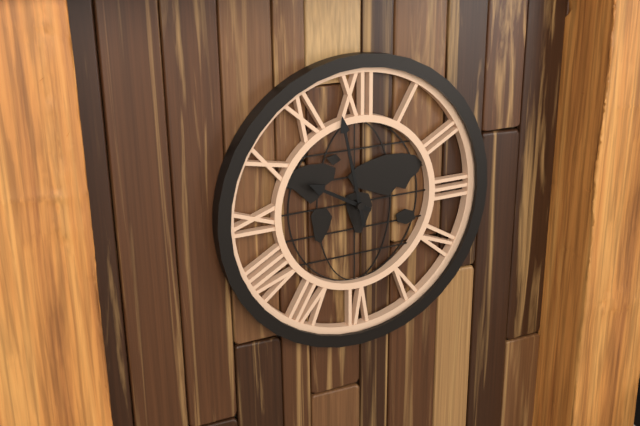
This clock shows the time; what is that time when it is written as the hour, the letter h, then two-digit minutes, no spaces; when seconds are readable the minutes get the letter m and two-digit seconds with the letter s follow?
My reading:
9h58
